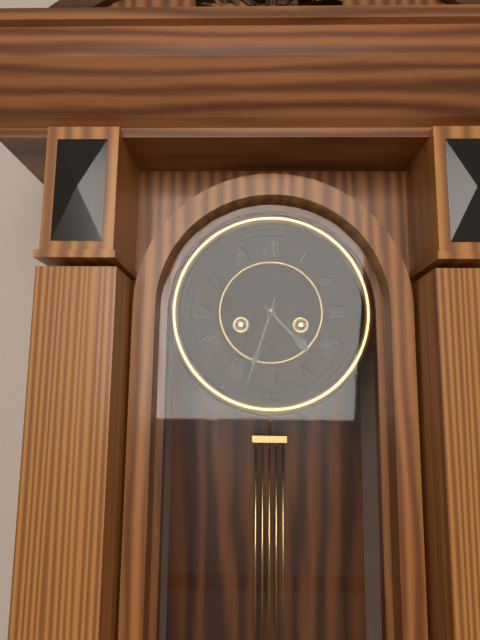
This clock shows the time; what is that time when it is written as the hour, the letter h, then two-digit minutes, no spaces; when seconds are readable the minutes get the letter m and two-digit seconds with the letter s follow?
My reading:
4h33
